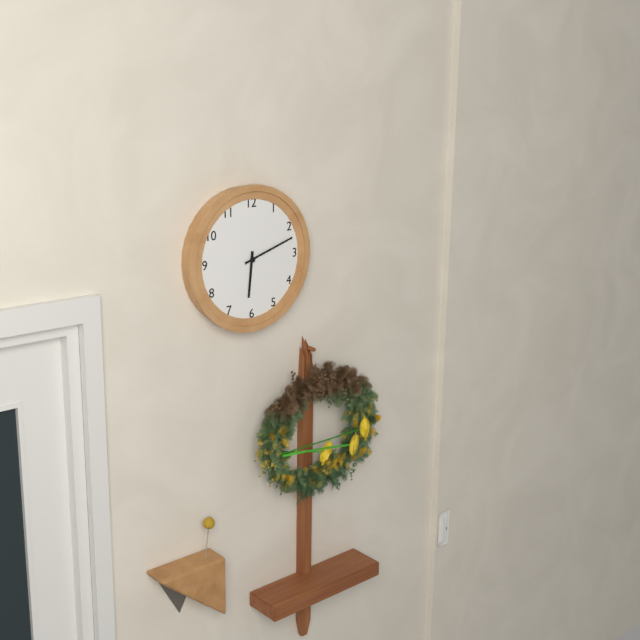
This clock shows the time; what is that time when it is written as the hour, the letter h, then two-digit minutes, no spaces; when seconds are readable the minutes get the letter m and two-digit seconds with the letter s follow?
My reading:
6h12
